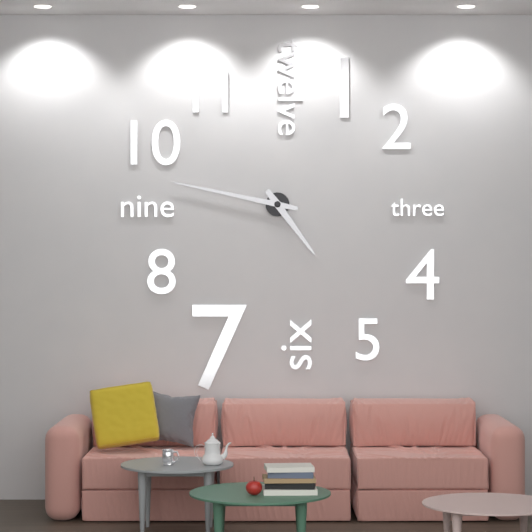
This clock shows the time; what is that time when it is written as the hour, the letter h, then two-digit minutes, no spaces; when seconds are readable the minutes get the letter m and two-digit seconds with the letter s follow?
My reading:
4h47
